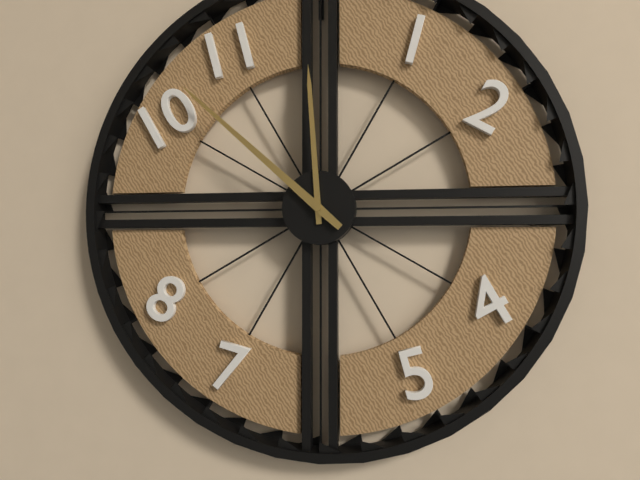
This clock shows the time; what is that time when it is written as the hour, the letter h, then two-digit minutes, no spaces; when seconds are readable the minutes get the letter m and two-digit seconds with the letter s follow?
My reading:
11h52
